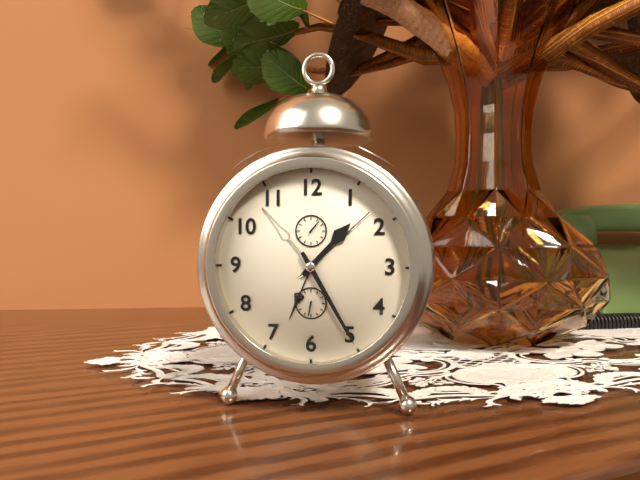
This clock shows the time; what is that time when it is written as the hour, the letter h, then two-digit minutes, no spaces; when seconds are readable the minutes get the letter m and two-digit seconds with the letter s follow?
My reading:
1h25
